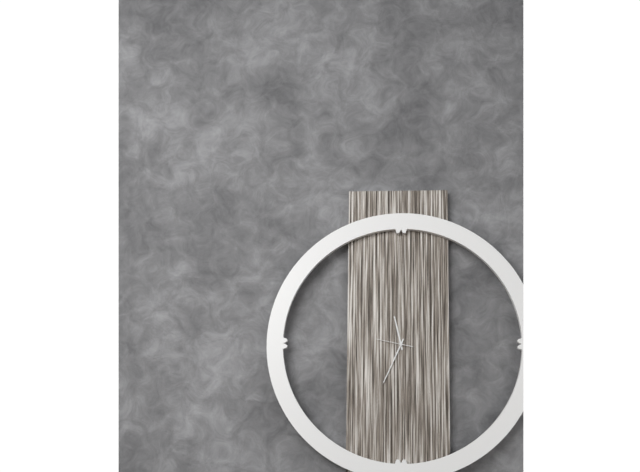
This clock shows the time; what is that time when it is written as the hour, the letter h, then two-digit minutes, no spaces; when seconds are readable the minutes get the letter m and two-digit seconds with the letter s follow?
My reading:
11h34
